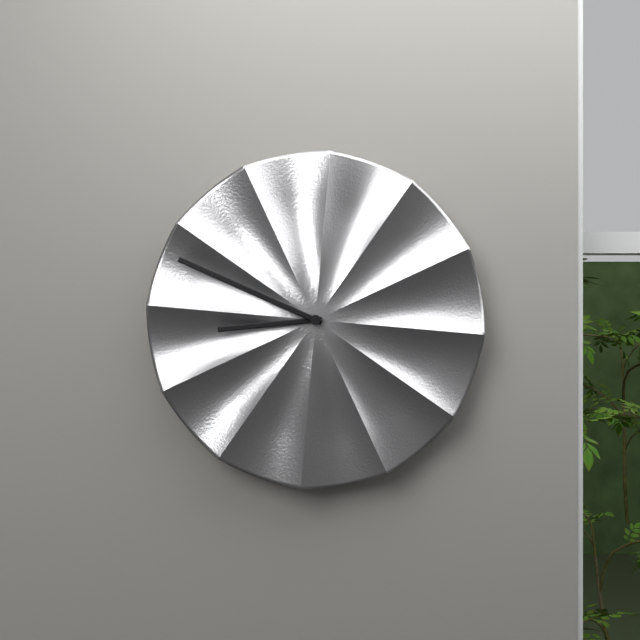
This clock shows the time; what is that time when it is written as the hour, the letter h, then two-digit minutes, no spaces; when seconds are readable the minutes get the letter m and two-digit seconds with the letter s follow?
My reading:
8h49
